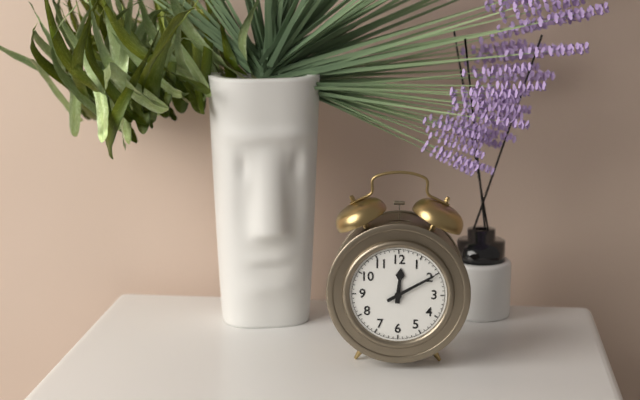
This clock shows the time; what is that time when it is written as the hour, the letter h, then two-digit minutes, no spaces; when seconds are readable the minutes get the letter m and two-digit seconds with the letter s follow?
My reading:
12h10
